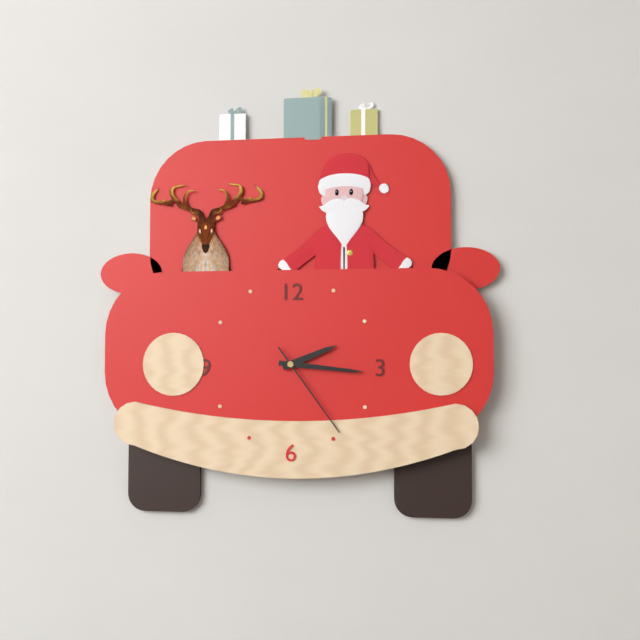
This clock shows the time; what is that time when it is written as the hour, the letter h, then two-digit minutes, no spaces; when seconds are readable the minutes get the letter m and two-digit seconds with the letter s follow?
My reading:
2h16m24s
